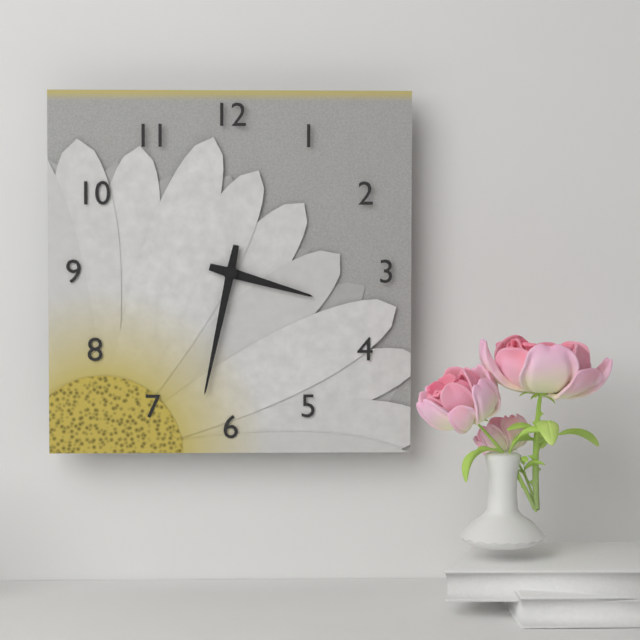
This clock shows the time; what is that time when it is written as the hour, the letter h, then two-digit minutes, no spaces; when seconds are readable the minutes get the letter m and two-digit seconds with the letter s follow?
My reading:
3h32
